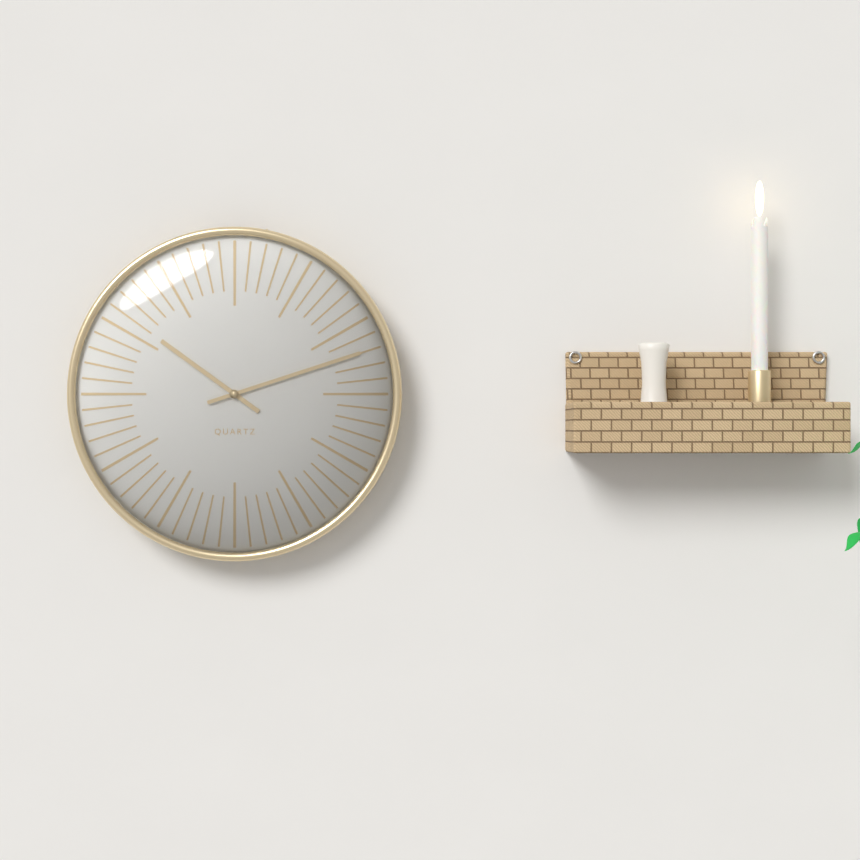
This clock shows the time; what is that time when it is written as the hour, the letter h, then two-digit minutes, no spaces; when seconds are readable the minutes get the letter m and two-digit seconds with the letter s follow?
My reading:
10h12
